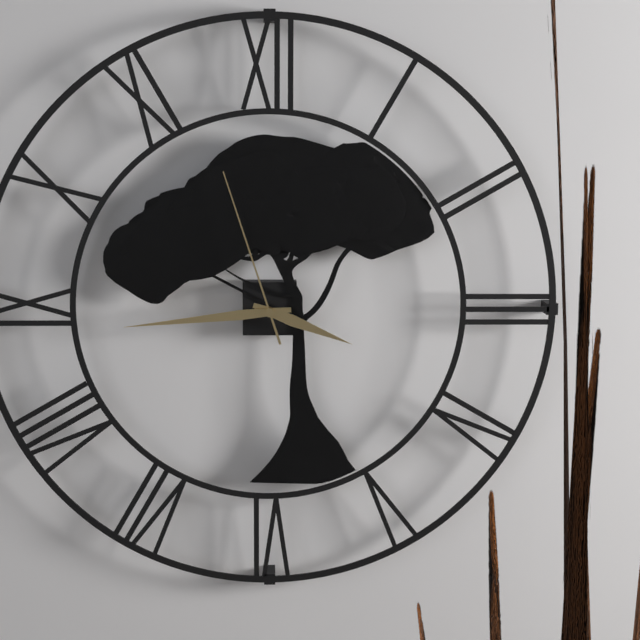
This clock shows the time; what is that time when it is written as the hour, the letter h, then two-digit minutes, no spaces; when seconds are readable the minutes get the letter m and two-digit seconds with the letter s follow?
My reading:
3h44m57s
